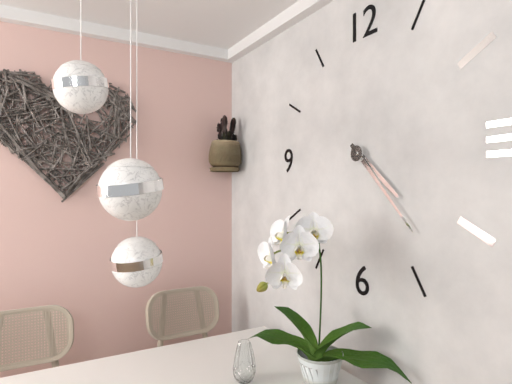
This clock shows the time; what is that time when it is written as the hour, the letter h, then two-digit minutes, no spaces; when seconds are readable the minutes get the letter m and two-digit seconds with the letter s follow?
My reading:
4h23
